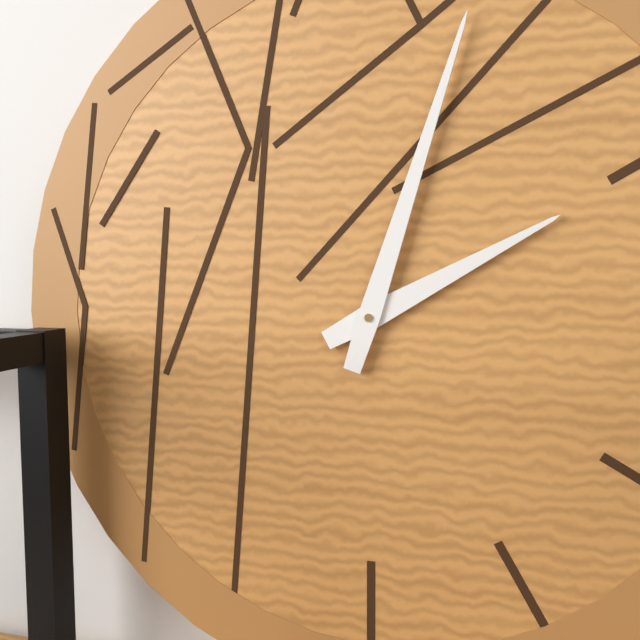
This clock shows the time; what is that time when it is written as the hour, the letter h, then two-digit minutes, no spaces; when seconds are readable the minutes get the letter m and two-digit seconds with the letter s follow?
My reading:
2h03
